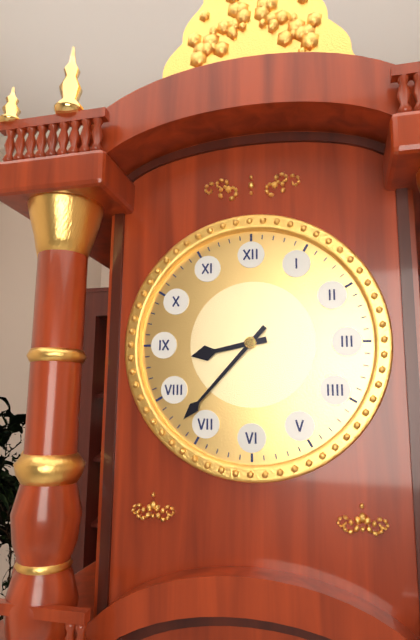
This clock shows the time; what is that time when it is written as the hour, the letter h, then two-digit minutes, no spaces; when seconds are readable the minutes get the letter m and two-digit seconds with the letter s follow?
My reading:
8h37
